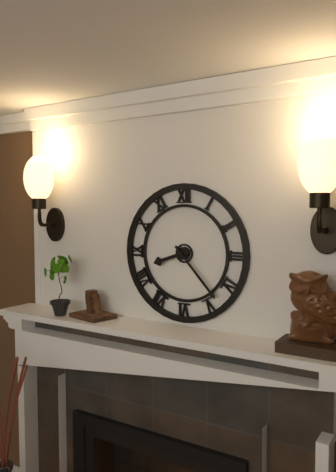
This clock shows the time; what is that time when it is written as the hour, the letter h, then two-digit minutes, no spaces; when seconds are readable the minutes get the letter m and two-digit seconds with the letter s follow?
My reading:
8h23
